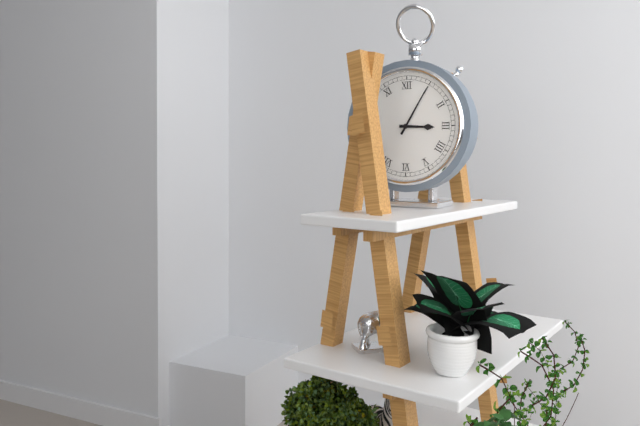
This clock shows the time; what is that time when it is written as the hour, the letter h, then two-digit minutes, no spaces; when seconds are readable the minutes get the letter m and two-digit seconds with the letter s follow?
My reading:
3h05
